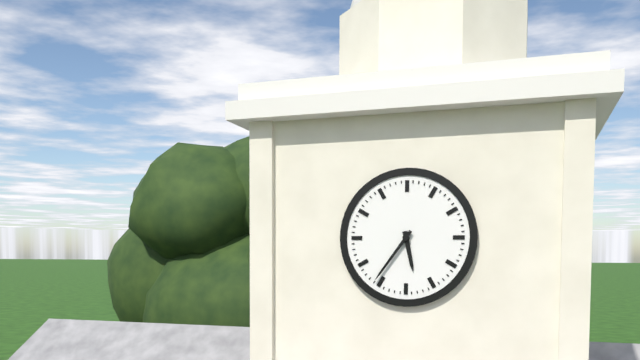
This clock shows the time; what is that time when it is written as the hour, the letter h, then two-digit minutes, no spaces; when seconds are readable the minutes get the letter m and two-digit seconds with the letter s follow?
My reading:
5h36
